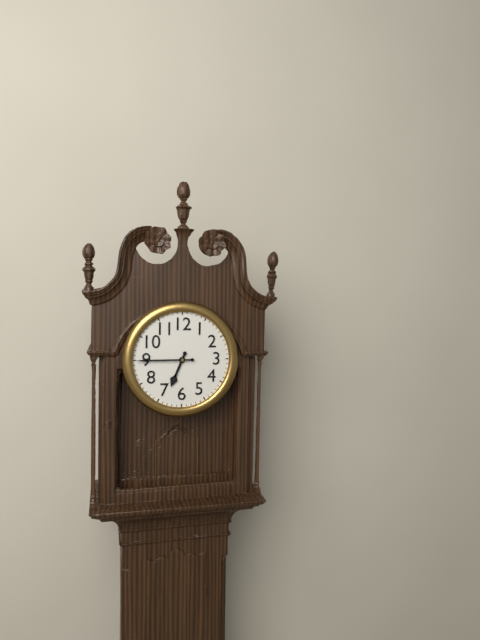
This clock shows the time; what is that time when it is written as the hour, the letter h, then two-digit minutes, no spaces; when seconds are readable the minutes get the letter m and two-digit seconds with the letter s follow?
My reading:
6h45
